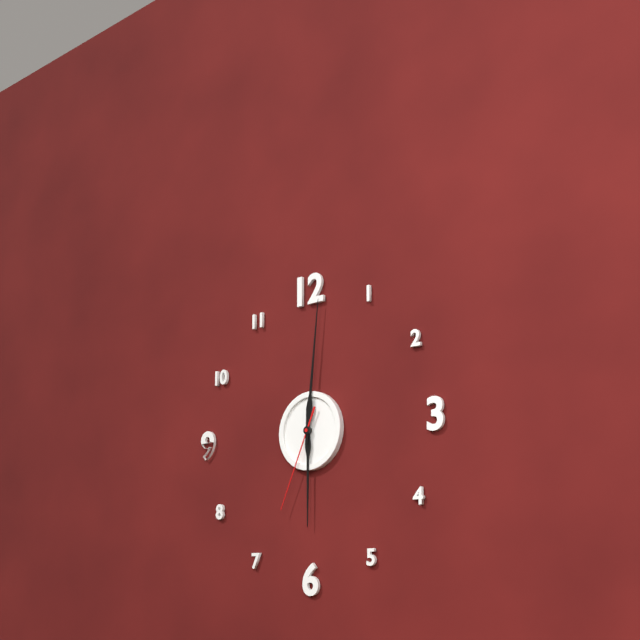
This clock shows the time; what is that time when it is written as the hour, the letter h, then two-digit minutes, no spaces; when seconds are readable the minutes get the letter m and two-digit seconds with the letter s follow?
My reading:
6h01m34s
